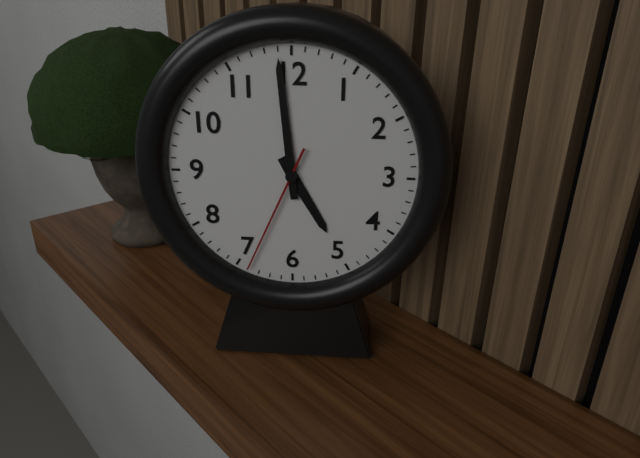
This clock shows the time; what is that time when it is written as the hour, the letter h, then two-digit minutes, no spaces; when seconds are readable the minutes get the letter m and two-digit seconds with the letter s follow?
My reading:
4h59m34s
